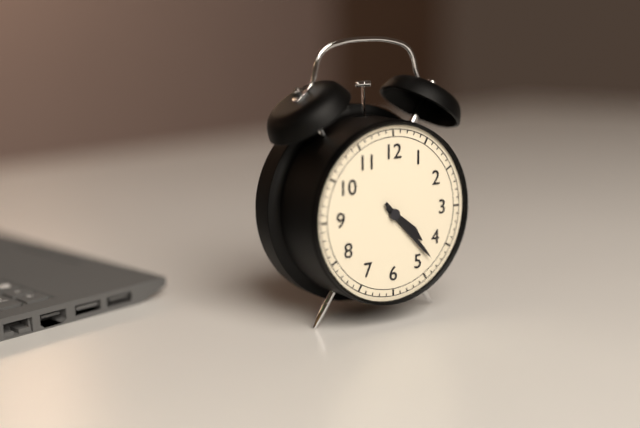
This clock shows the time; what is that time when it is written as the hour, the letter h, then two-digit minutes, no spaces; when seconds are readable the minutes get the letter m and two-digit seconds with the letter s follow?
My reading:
4h23
